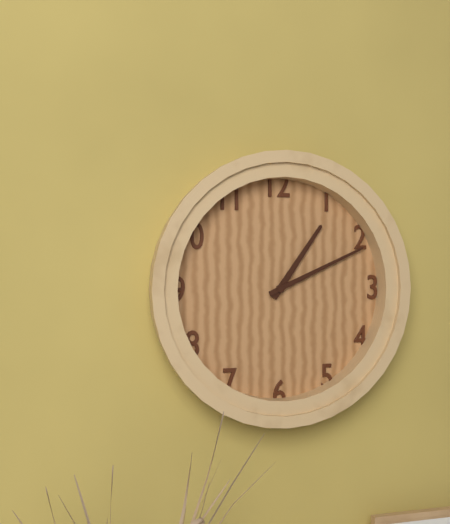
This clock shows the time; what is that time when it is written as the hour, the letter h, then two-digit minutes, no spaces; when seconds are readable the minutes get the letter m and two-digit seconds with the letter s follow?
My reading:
1h11
